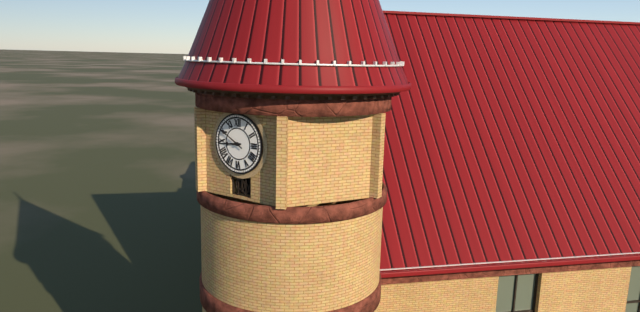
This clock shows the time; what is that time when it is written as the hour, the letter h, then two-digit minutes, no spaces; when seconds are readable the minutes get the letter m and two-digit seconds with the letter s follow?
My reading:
8h50
